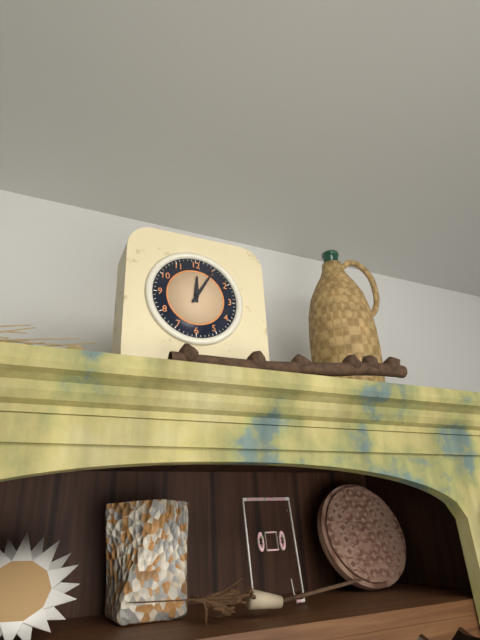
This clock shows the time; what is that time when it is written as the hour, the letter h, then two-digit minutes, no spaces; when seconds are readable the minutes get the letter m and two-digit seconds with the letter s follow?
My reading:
12h05
